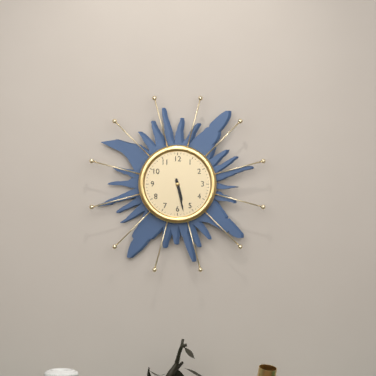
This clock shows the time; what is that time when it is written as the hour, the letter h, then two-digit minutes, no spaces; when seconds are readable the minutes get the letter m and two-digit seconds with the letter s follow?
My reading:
5h28
